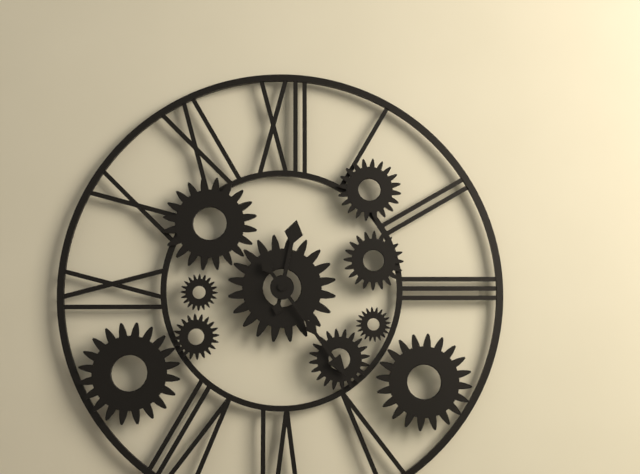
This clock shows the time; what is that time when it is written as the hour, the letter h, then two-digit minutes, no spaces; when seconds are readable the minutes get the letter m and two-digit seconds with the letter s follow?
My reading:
12h24
